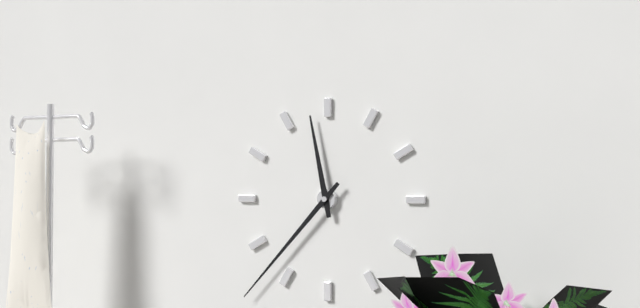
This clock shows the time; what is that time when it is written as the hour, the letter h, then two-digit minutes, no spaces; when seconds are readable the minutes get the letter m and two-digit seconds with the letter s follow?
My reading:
11h37
